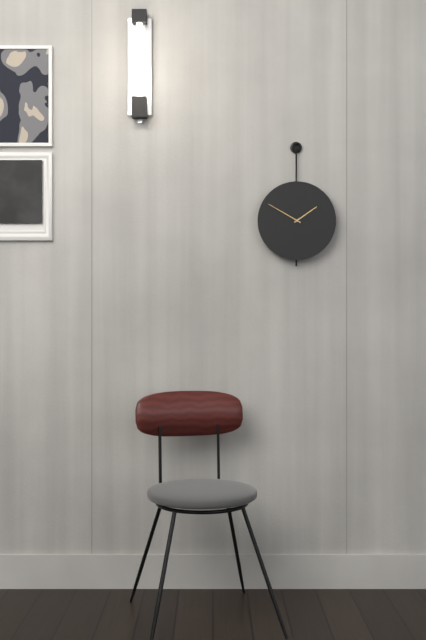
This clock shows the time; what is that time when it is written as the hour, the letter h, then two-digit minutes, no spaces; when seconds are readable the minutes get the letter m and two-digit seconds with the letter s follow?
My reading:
1h50
